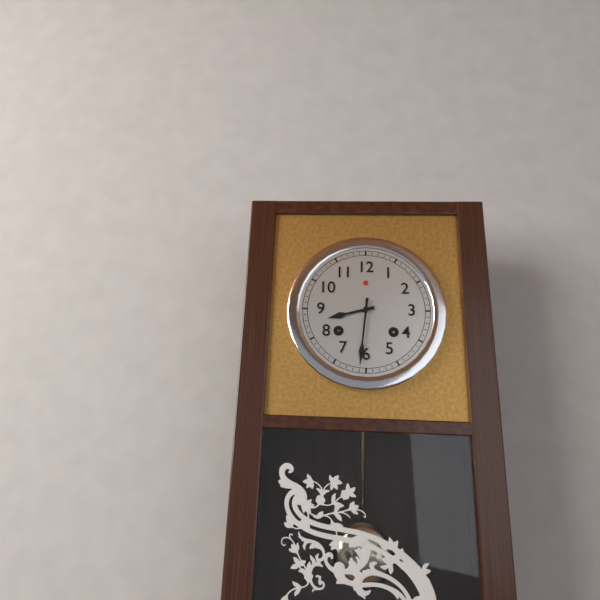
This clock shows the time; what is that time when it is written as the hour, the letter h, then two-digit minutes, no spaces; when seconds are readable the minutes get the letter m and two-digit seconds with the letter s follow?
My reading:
8h31
